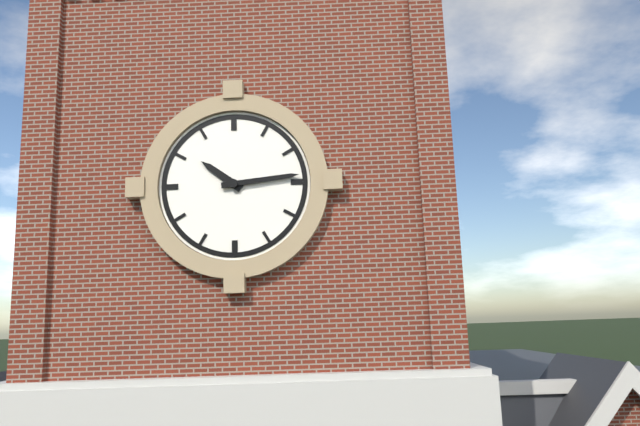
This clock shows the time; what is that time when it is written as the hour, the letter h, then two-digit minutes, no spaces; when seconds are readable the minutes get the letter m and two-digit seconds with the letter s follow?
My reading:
10h14
